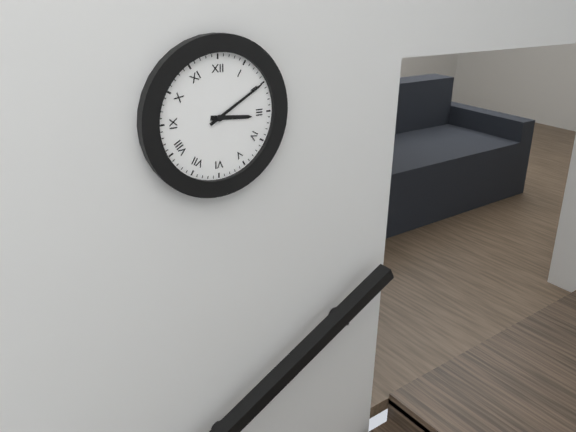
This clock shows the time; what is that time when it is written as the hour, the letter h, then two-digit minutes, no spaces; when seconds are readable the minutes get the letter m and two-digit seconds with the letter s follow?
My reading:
3h10
